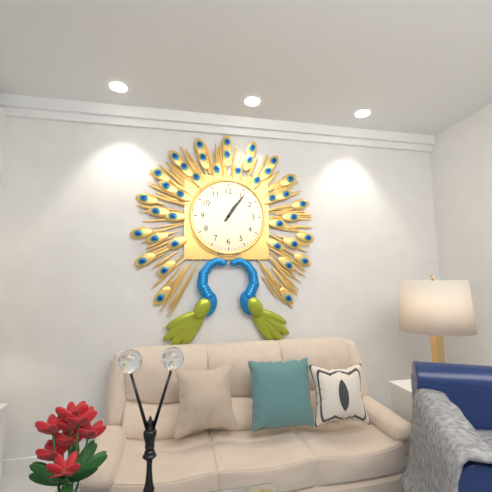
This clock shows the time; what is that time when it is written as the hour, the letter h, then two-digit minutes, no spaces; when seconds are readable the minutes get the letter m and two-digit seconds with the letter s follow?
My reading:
1h06
